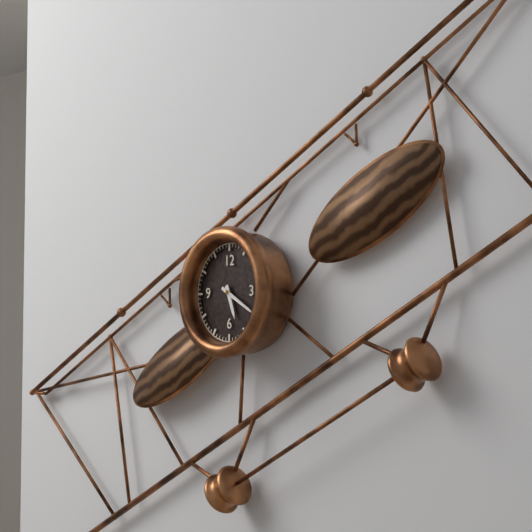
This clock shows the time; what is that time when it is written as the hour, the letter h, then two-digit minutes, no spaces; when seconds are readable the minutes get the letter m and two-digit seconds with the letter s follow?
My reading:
5h20
